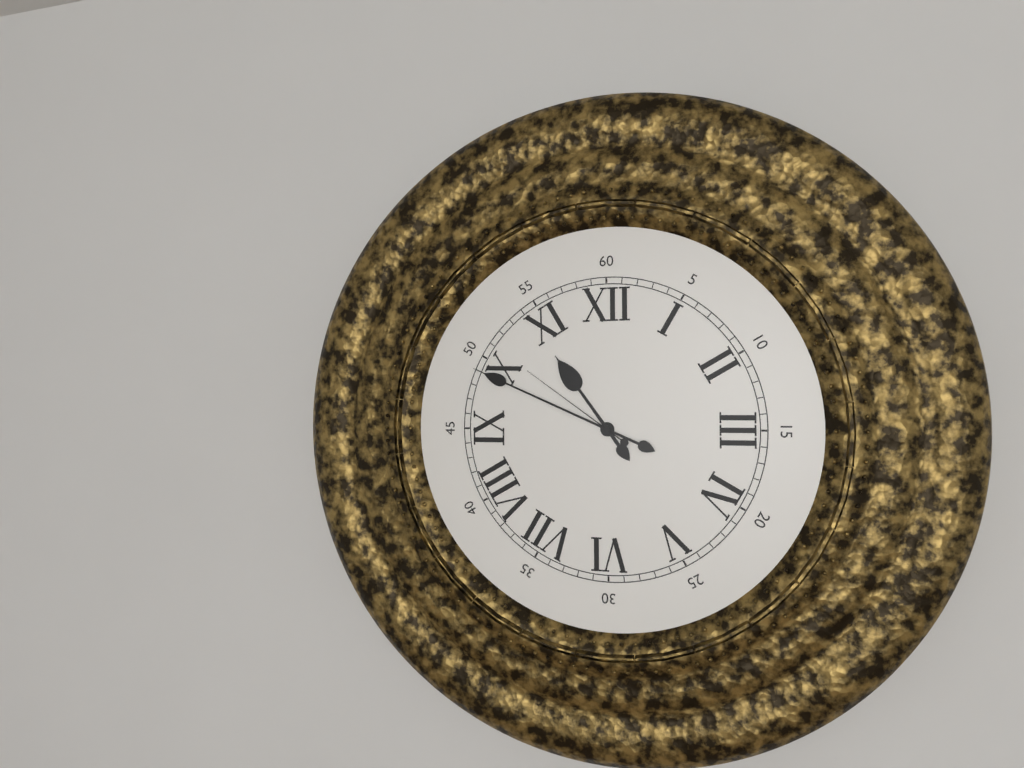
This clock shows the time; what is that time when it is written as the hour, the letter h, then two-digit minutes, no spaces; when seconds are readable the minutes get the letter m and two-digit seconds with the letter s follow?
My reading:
10h49m51s
